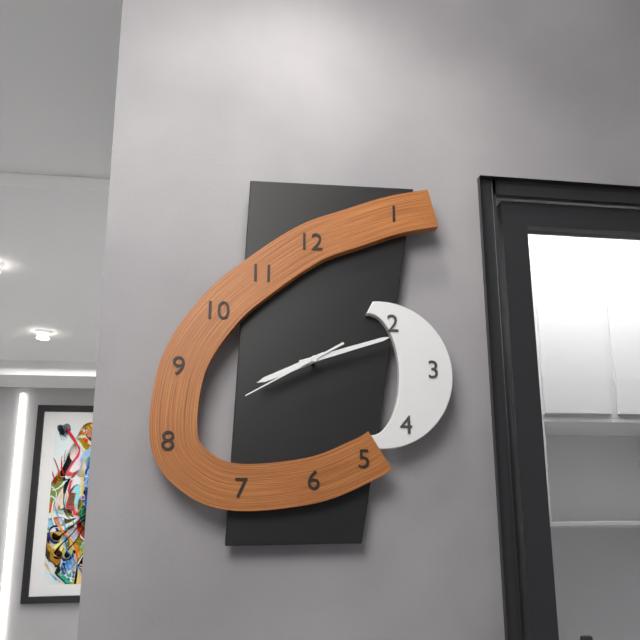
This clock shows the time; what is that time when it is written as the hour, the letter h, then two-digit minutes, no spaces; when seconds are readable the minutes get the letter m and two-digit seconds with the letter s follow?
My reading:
8h12m40s
